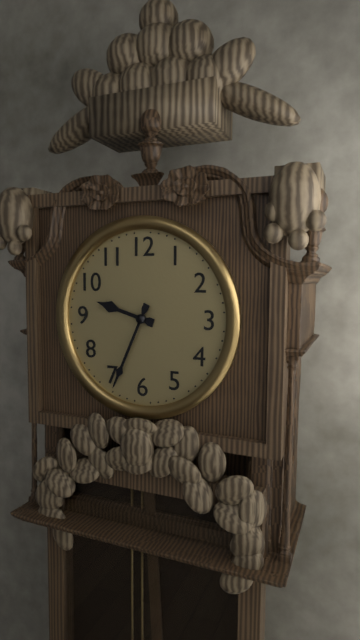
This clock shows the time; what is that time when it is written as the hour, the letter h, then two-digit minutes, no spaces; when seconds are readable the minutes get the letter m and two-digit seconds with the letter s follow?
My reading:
9h34
